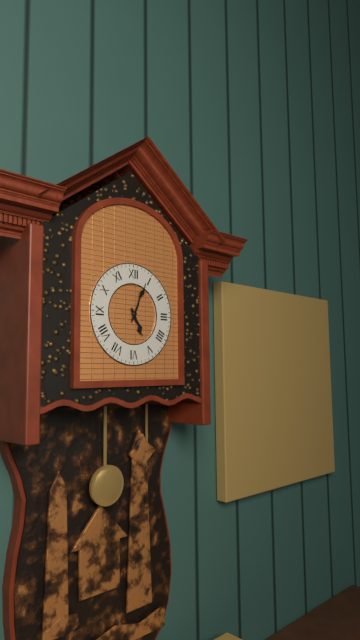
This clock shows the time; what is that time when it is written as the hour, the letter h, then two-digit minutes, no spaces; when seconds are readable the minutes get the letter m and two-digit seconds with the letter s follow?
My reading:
5h04
